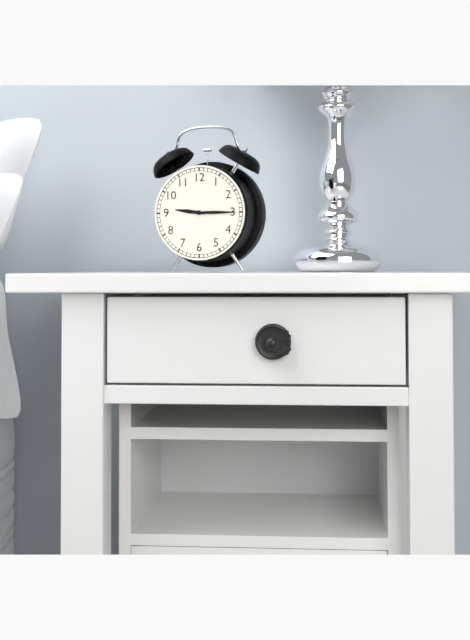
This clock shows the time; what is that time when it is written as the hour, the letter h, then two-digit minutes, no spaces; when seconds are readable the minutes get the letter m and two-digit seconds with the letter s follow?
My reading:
9h15
